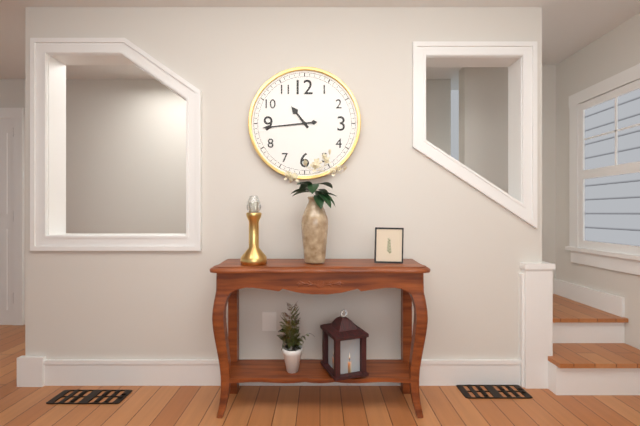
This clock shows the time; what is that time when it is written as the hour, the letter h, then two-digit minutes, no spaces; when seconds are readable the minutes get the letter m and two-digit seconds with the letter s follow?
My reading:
10h44
